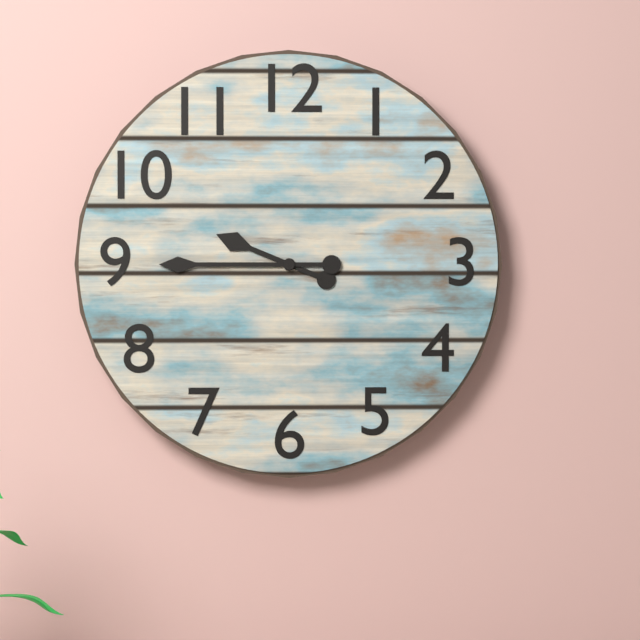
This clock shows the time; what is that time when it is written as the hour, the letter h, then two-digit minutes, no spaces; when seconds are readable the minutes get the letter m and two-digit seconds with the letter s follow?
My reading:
9h45
